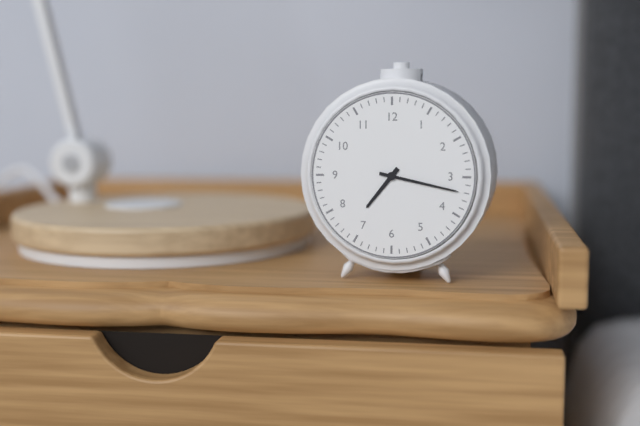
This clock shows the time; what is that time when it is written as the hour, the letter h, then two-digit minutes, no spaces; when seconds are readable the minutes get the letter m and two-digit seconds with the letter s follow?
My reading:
7h17
